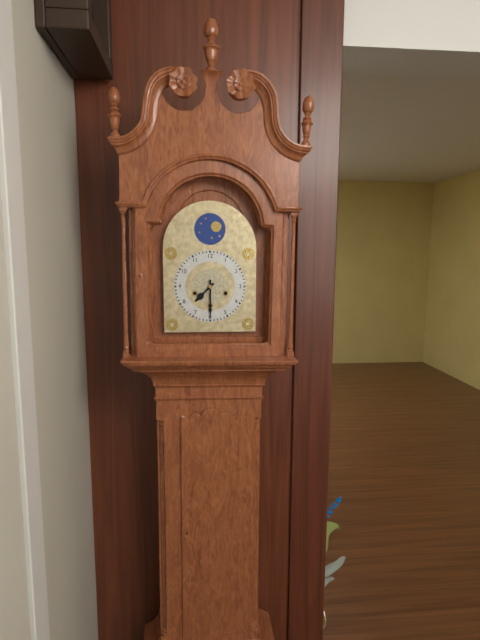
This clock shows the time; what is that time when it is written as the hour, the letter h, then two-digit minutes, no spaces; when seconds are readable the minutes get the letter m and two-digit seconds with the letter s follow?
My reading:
7h30
